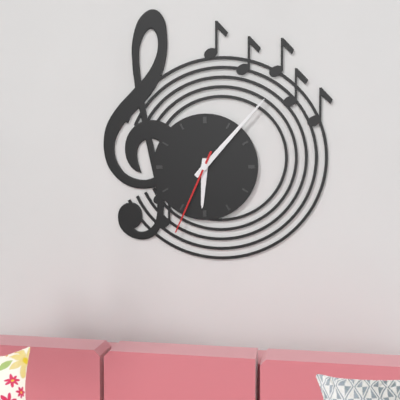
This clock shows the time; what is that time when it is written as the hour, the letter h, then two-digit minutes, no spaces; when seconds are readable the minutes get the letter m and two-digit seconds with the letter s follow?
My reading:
6h07m34s
